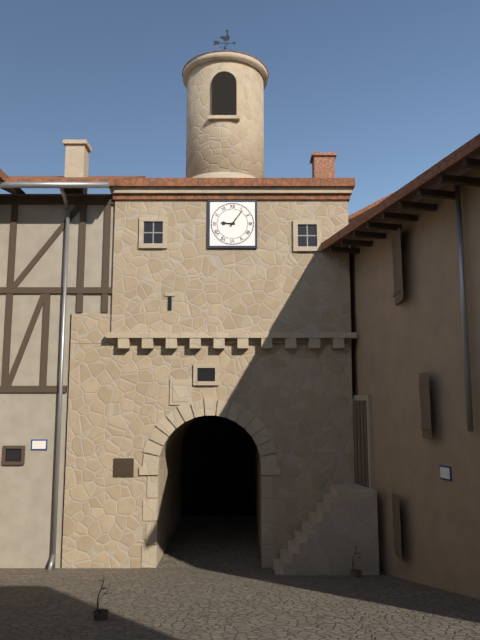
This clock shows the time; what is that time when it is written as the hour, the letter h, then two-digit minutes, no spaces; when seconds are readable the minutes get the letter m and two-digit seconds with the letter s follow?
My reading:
9h06
